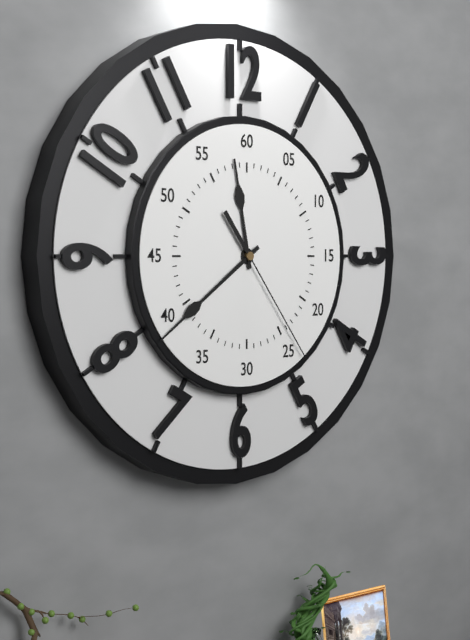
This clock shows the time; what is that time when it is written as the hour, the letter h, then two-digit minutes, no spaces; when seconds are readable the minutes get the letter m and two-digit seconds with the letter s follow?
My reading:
11h39m24s
